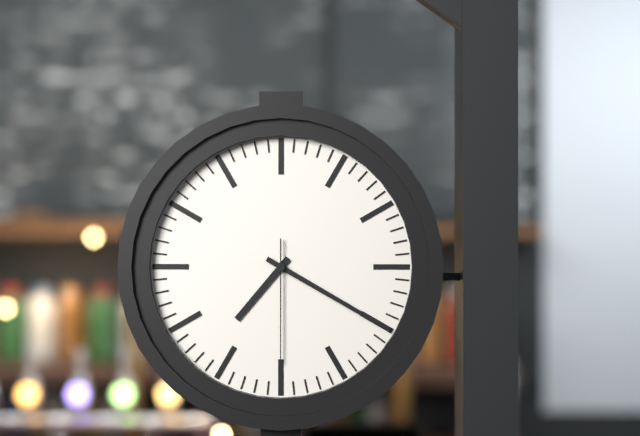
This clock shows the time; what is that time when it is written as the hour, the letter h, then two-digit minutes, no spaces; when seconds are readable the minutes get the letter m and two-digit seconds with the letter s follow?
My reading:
7h20m30s
